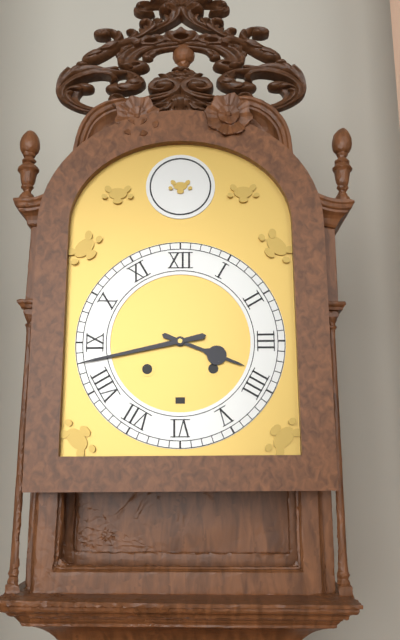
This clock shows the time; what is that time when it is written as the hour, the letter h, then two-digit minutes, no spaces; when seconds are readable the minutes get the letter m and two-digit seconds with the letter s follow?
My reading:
3h43
